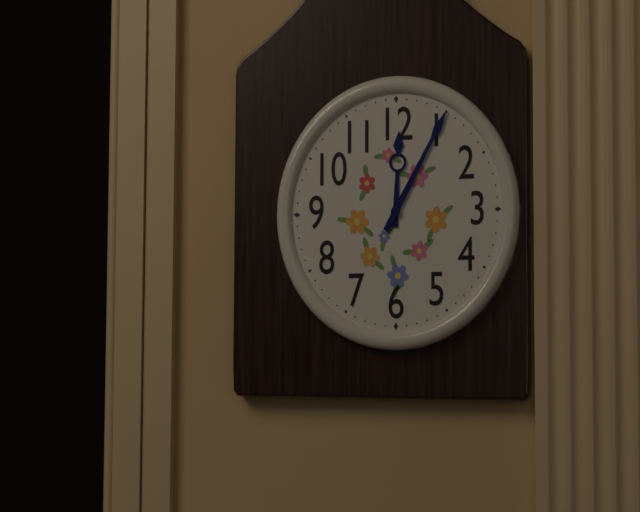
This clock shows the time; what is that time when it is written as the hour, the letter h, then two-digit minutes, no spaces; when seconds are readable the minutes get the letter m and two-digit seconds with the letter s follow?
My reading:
12h05
